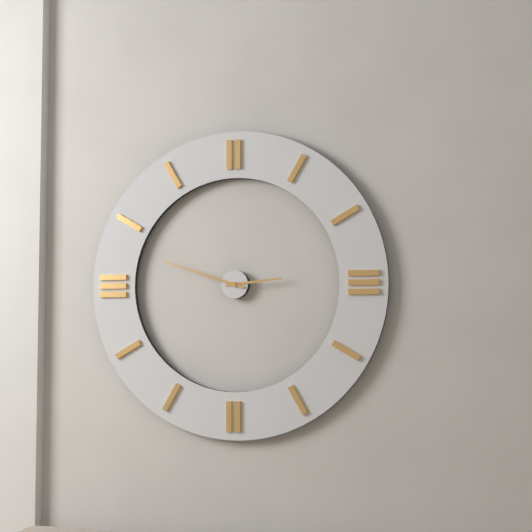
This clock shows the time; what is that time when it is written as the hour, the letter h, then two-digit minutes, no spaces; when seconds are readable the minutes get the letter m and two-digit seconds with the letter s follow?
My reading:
2h48
